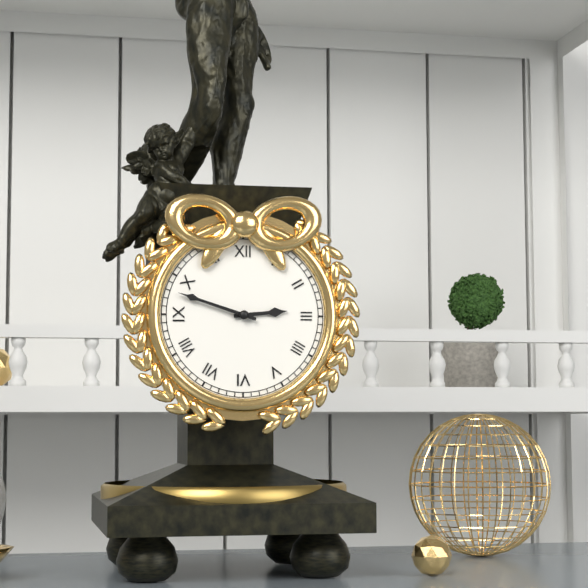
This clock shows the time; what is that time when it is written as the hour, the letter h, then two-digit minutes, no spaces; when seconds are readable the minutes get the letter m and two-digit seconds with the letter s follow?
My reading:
2h48
